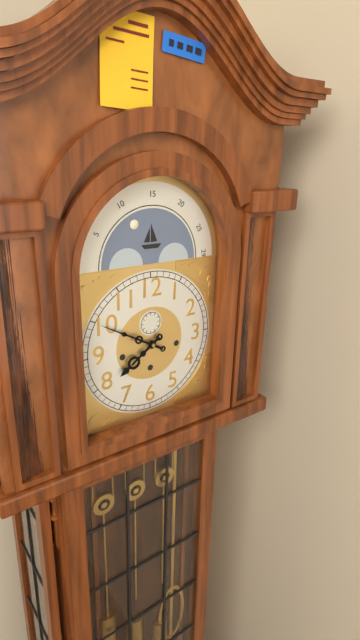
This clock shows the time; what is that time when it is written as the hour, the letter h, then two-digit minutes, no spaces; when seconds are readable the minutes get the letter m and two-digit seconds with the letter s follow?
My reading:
7h50
